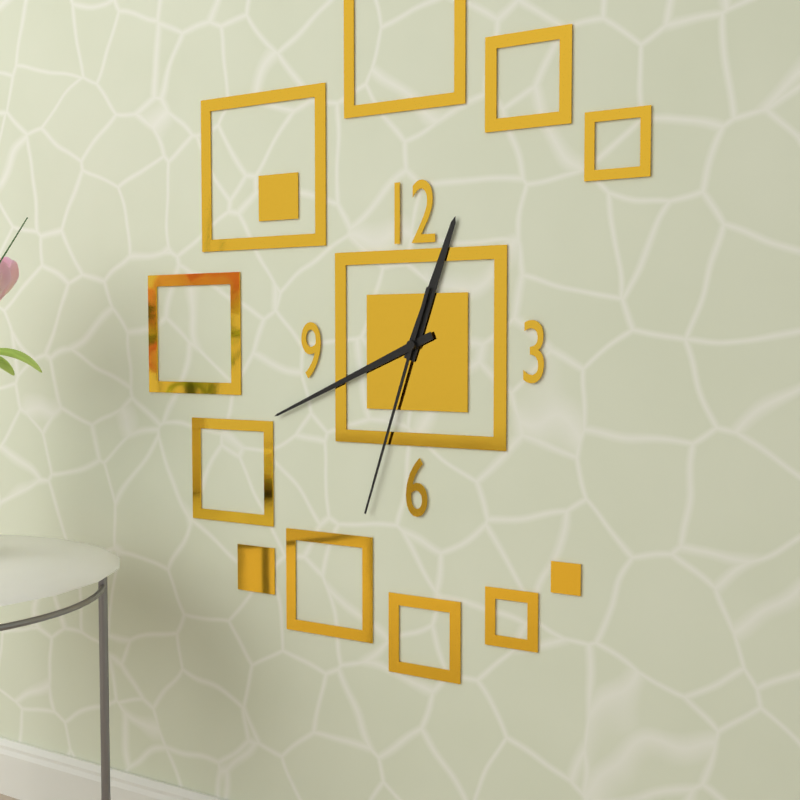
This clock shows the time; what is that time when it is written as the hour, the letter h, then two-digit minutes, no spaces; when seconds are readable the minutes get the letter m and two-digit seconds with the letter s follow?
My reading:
12h41m33s
